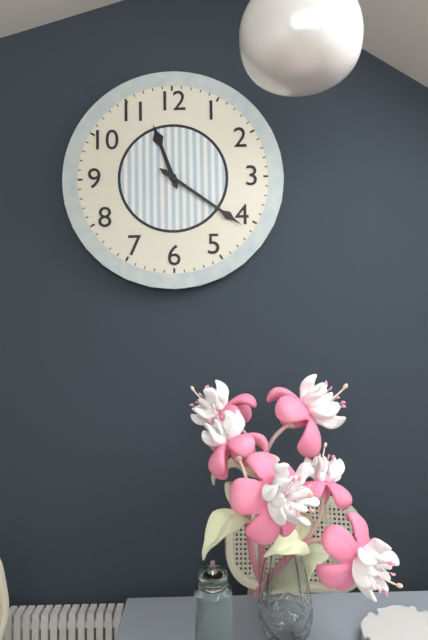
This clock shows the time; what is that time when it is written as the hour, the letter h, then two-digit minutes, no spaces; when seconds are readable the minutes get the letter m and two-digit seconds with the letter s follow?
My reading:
11h21
